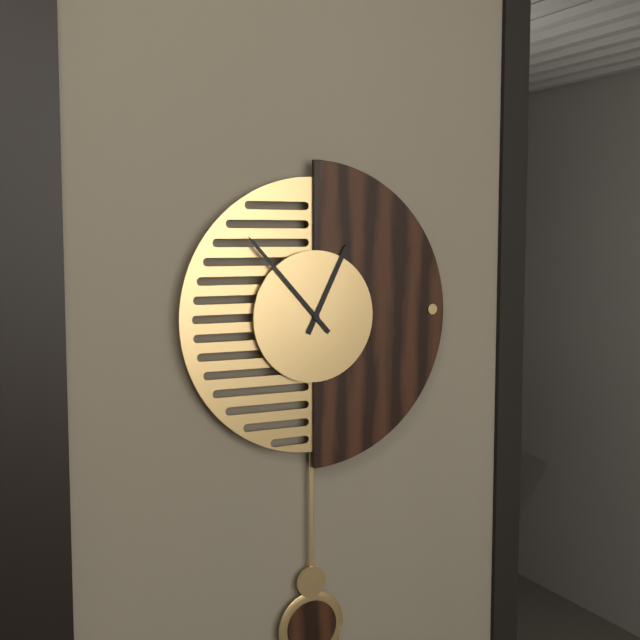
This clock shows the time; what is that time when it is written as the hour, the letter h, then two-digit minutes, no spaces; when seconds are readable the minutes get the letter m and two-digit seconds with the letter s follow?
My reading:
12h53
